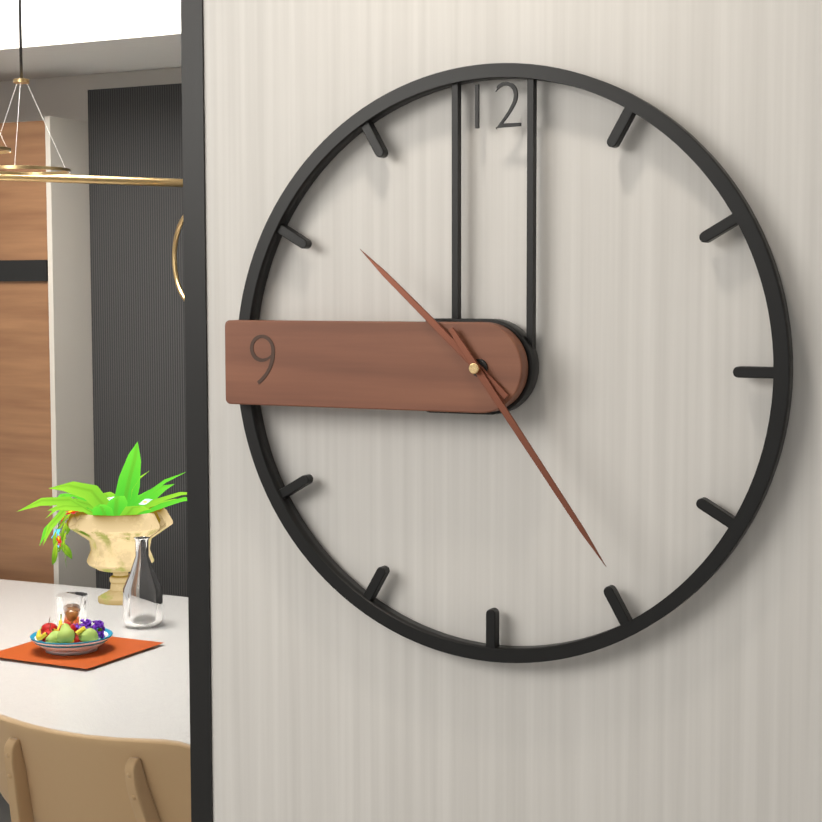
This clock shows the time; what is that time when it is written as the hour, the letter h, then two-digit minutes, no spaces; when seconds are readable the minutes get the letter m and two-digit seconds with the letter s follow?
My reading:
10h24
